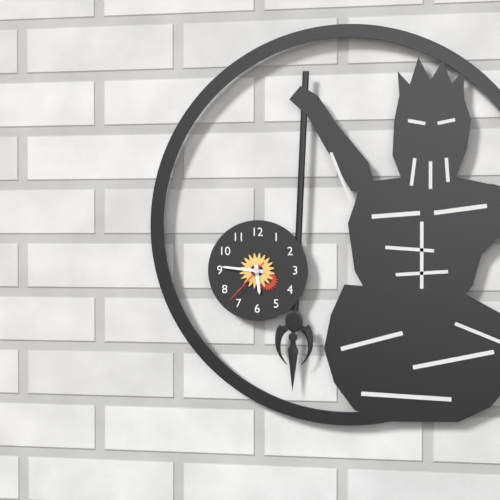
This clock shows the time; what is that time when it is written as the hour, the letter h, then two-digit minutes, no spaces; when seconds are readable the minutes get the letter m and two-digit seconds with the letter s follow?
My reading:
5h46m37s
